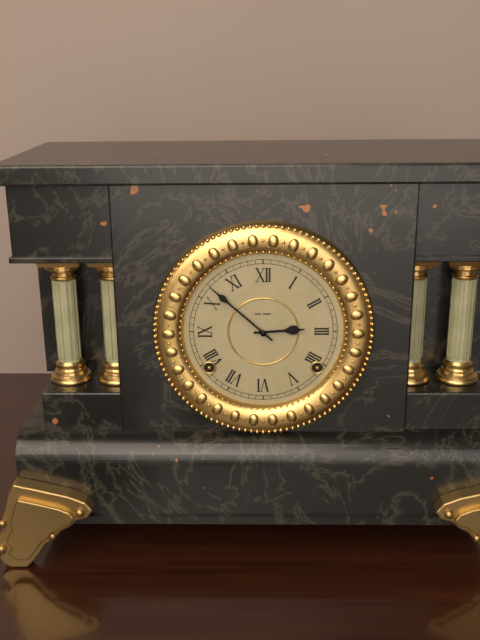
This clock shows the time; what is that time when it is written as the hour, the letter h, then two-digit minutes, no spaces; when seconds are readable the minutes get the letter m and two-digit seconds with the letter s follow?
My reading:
2h52
